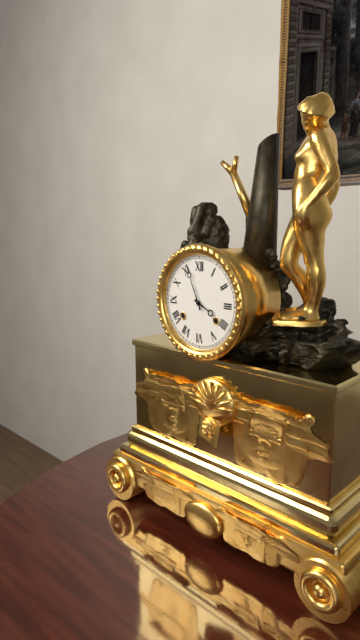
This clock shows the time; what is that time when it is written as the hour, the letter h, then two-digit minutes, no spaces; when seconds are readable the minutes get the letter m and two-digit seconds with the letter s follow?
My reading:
3h56
